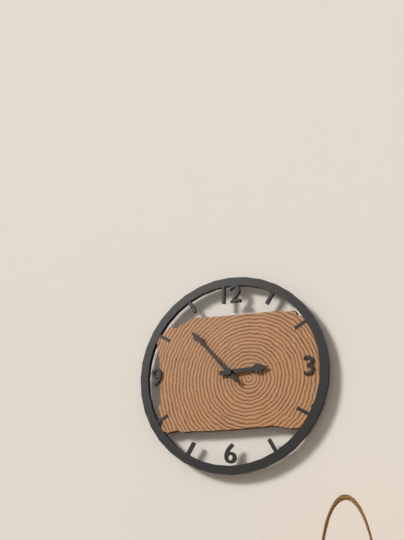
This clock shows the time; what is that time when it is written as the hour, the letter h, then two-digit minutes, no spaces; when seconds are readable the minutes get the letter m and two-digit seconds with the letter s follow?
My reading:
2h53
